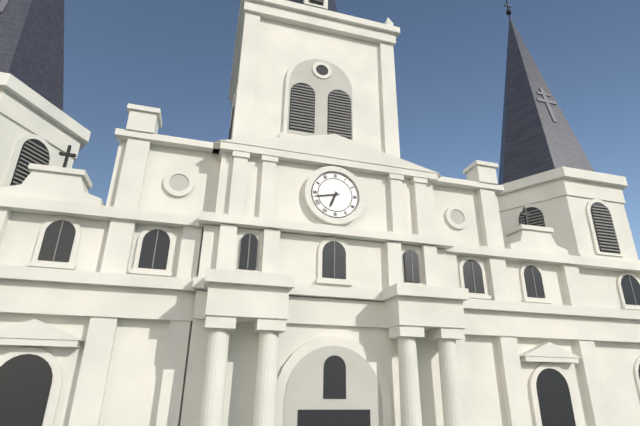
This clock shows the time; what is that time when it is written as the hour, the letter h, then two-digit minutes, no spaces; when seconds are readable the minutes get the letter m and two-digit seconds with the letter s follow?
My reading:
6h43
